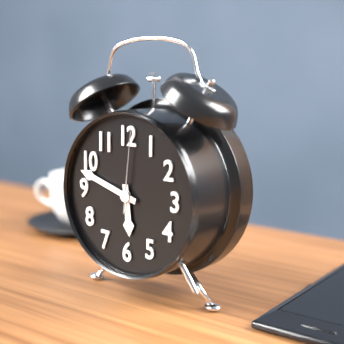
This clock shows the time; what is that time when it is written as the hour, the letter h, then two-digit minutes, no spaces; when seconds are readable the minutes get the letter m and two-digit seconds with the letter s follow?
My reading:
5h48m01s
